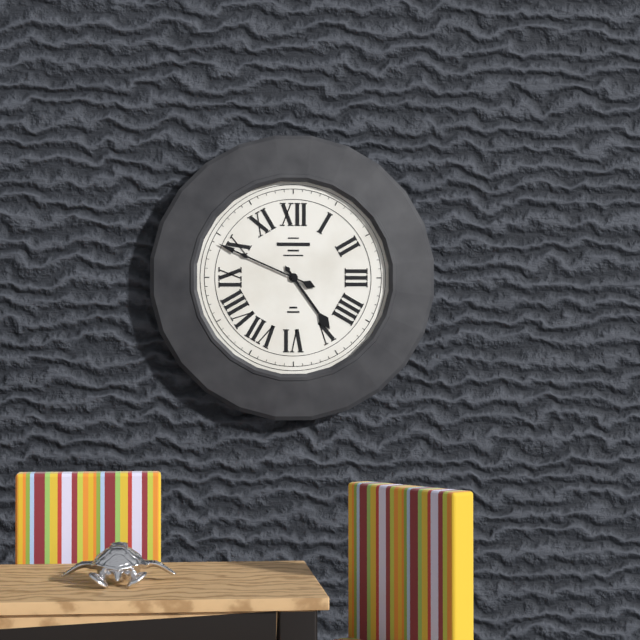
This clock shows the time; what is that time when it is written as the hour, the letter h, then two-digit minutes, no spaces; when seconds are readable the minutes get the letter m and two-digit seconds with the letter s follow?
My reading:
4h49
